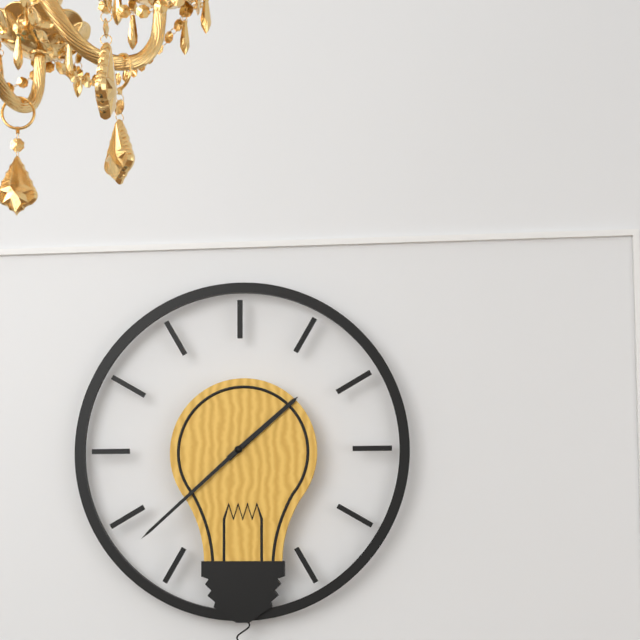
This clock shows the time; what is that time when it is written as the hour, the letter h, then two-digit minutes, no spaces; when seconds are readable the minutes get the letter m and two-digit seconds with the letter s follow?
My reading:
1h38
